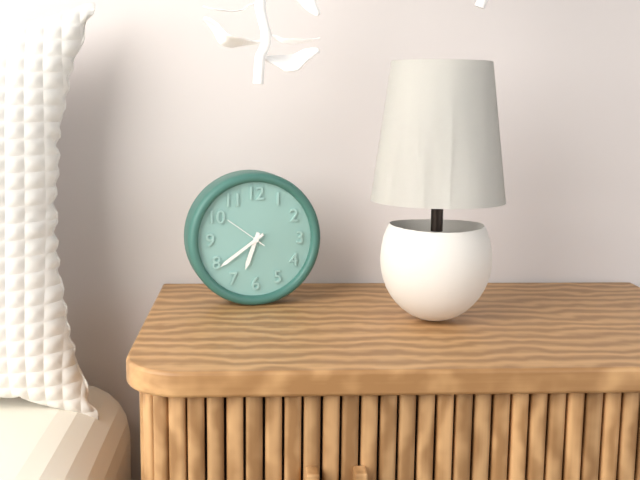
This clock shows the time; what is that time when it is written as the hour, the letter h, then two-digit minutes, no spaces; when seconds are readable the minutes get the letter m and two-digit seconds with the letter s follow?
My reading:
6h39
